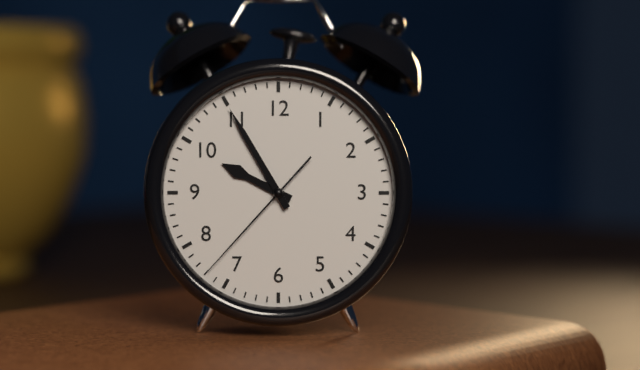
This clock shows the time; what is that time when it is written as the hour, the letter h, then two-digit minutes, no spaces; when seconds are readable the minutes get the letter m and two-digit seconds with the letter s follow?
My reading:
9h55m37s
